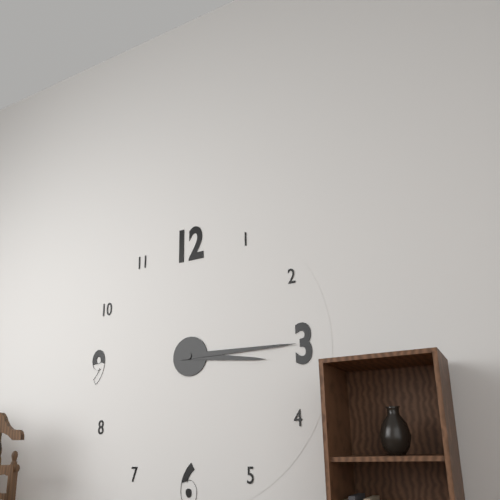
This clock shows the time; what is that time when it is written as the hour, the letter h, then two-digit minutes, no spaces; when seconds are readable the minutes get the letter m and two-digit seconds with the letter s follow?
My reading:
3h15
